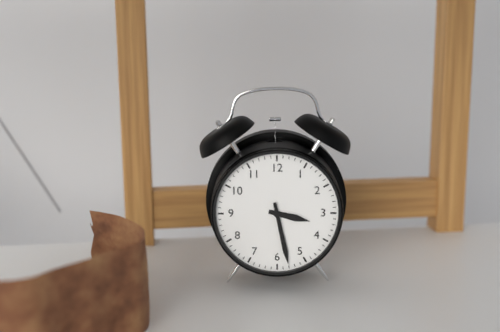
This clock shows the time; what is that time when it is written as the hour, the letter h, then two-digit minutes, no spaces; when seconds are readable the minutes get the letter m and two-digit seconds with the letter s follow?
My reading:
3h28
